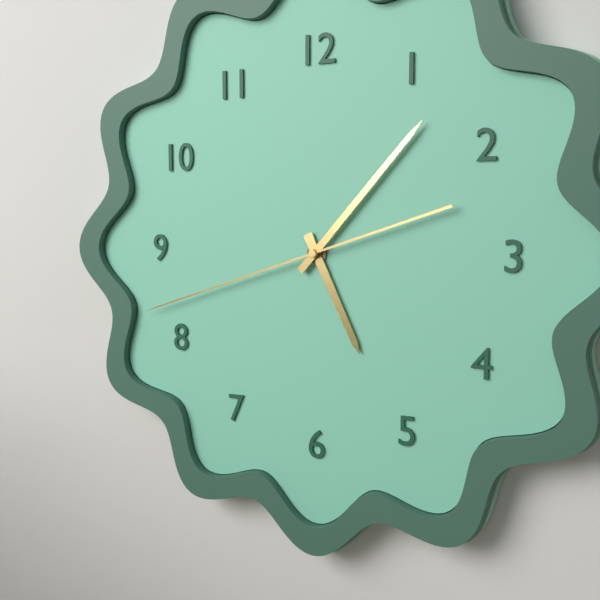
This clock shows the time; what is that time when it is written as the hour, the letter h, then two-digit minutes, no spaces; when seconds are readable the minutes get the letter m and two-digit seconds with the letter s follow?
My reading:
5h07m42s
